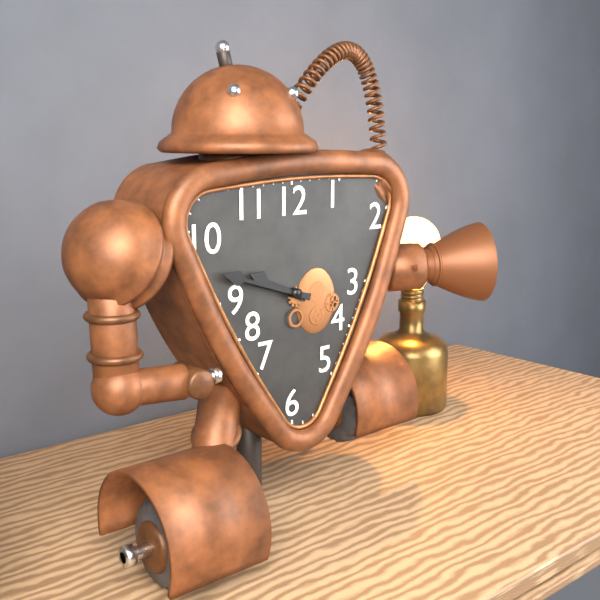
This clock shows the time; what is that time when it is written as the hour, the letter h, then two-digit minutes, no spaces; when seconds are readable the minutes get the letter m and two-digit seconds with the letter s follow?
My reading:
9h48
